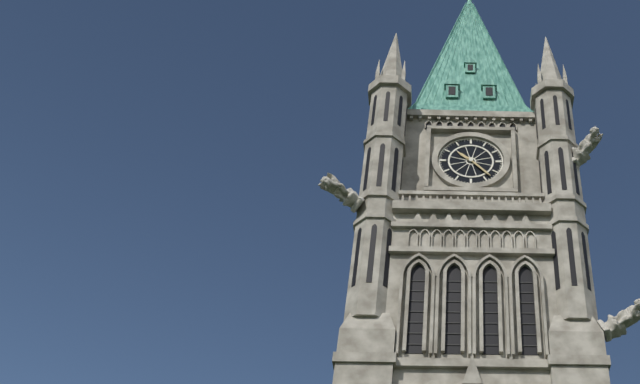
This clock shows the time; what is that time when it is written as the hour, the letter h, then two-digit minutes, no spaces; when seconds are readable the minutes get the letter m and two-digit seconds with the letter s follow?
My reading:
10h23
